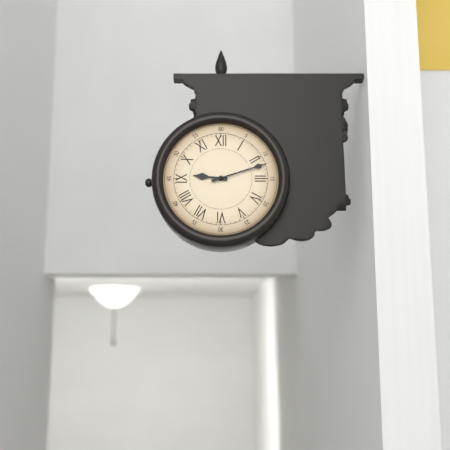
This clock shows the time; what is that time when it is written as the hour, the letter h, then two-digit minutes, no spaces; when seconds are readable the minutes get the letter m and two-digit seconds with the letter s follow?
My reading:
9h12
